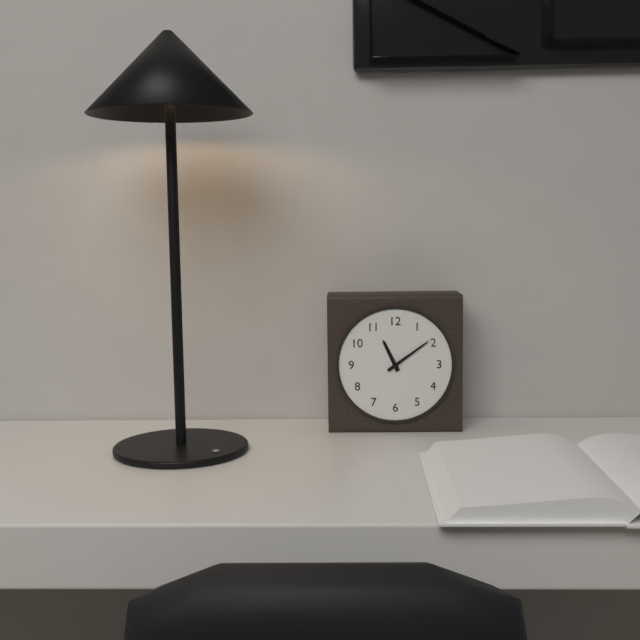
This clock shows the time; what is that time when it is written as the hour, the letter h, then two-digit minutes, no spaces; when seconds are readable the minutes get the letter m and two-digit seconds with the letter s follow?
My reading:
11h09
